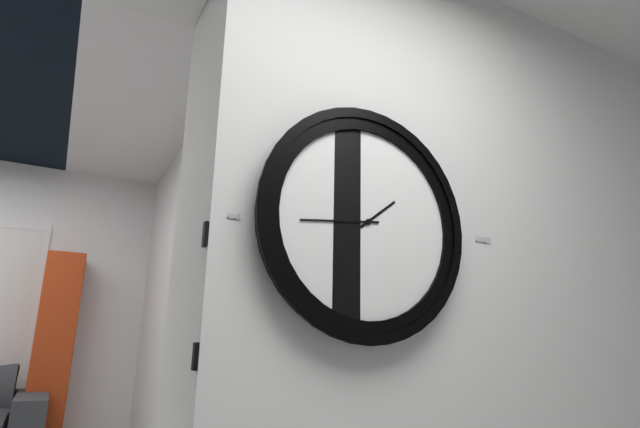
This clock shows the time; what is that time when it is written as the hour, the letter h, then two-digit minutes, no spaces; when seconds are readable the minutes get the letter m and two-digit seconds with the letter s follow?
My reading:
1h44
